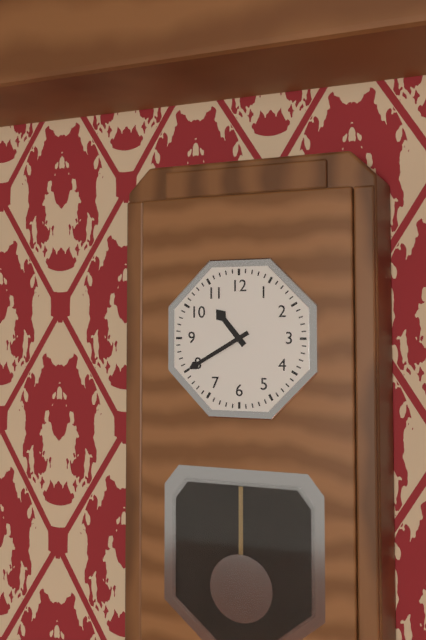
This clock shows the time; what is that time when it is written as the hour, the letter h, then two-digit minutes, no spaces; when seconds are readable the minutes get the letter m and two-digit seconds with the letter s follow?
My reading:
10h40
